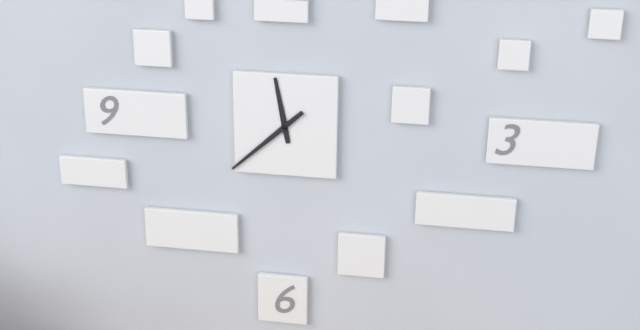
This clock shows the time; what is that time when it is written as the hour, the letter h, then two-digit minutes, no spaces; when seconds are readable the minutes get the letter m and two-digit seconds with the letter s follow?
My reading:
11h38
